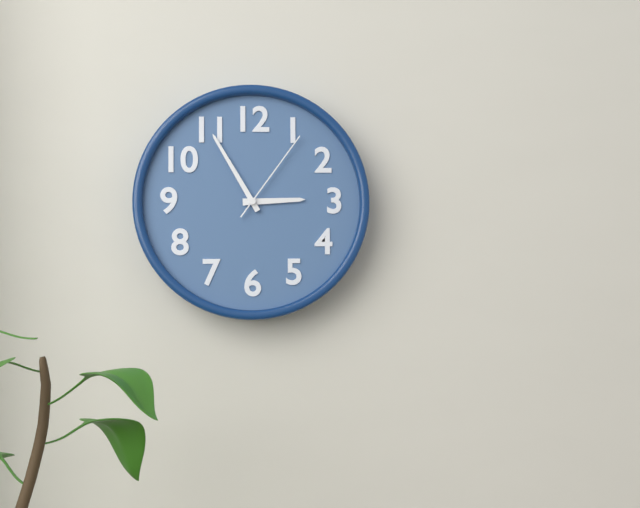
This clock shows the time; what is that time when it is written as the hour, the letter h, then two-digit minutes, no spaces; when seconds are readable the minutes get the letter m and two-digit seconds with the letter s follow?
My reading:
2h55m06s
